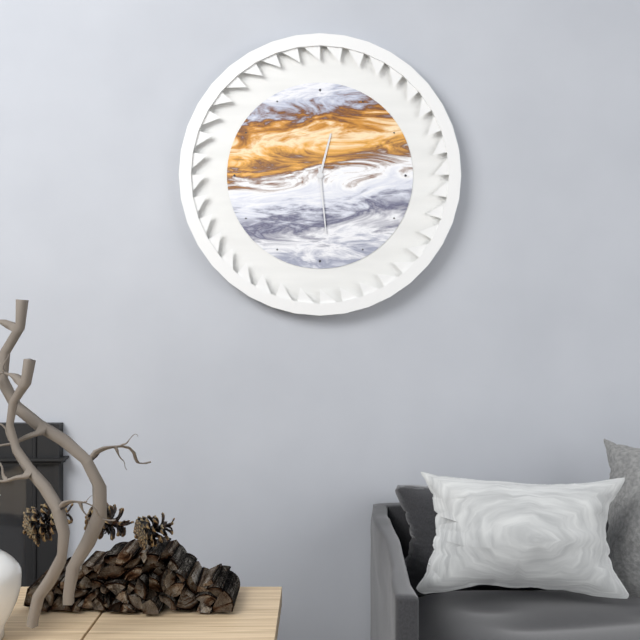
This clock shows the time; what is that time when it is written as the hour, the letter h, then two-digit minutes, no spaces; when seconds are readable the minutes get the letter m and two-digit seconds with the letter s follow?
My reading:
12h29
